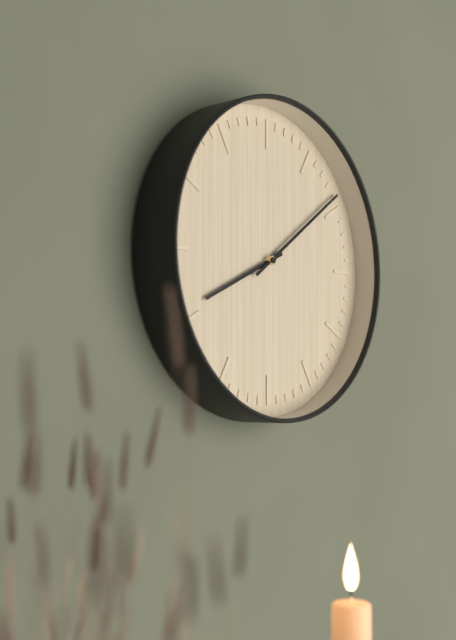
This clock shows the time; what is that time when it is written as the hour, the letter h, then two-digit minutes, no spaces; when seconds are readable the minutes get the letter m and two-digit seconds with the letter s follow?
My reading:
8h09
